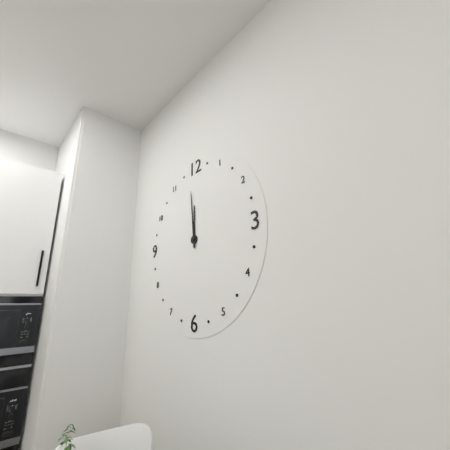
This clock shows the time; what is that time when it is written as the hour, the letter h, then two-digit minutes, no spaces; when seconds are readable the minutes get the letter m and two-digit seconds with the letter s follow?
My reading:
11h59
